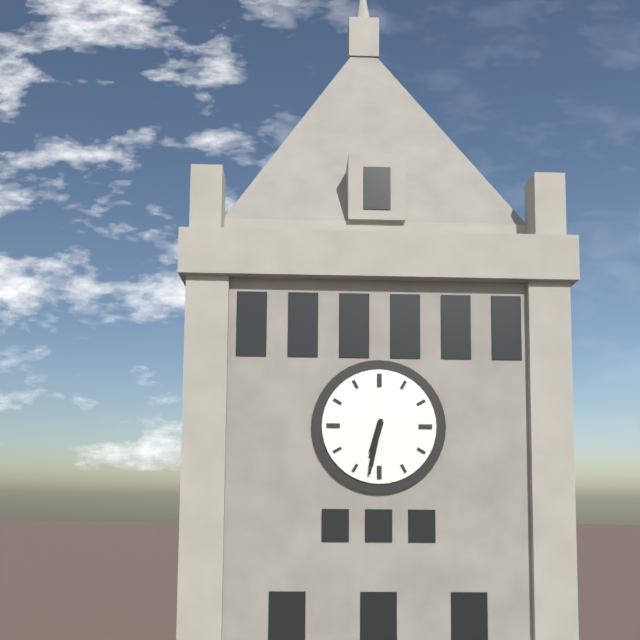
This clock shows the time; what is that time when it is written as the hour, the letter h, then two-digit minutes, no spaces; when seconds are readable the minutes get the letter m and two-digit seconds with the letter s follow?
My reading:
6h32
